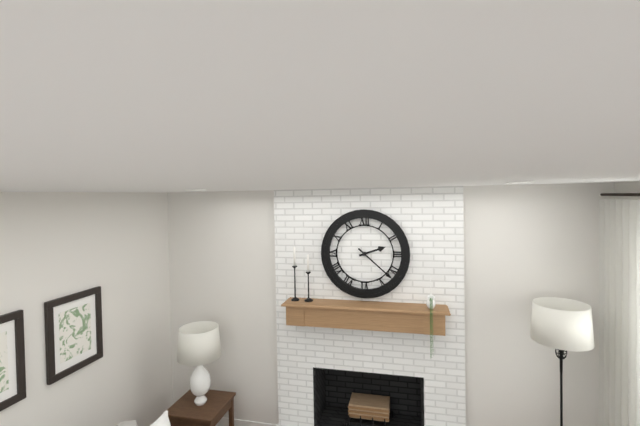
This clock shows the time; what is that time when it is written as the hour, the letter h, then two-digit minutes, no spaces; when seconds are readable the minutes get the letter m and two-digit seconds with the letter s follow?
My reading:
2h22
